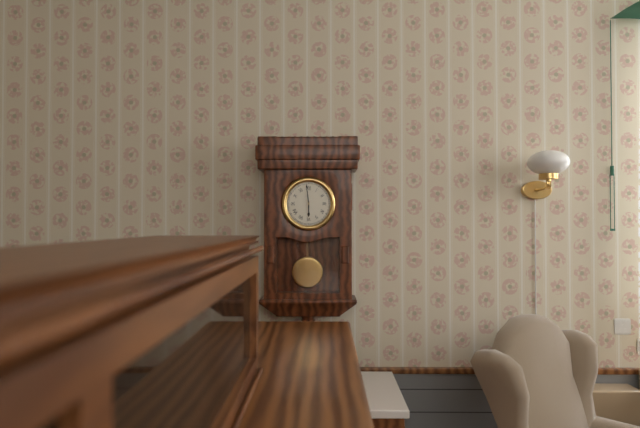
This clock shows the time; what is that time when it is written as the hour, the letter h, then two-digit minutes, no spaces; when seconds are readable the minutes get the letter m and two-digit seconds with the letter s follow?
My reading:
5h59
